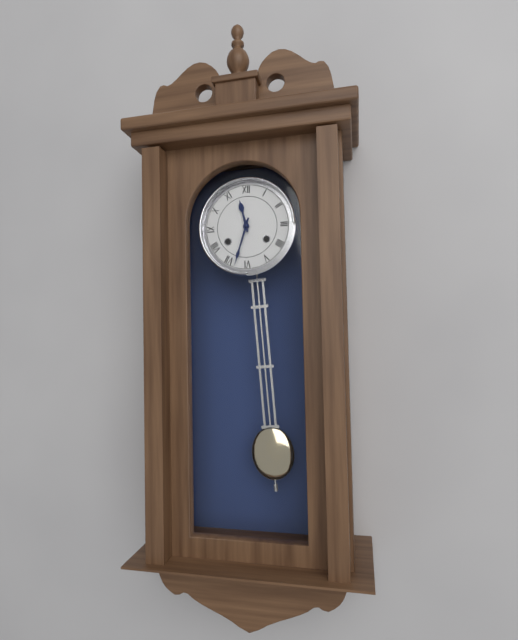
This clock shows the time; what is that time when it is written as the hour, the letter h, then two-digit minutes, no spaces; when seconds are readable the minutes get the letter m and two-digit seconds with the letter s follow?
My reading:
11h33
